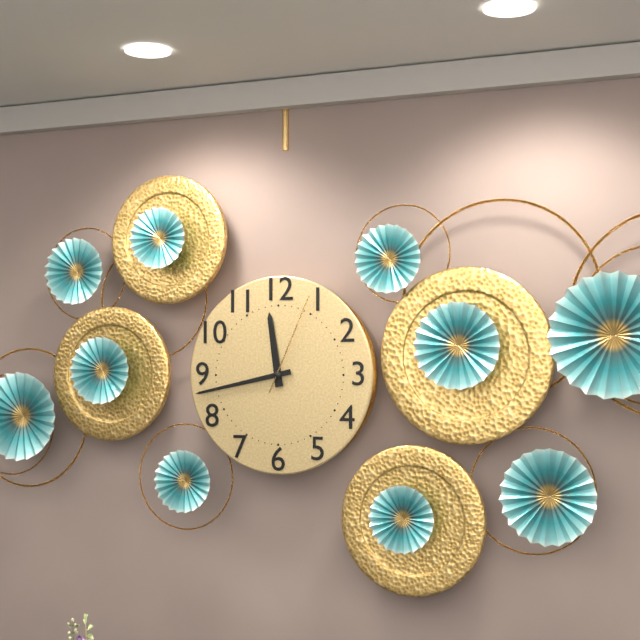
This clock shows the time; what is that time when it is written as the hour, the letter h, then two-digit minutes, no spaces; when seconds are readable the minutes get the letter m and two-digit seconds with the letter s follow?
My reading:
11h43m04s
